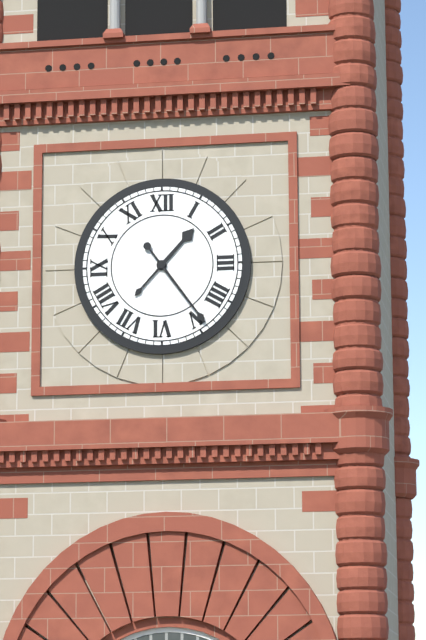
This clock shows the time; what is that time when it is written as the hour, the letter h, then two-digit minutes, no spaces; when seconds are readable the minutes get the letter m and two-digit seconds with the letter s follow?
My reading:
1h24
